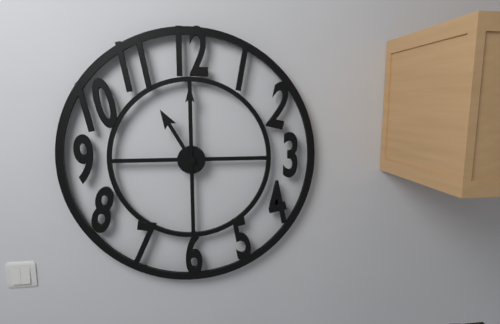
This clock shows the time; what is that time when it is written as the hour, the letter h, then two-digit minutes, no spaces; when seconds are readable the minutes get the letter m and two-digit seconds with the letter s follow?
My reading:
11h00
